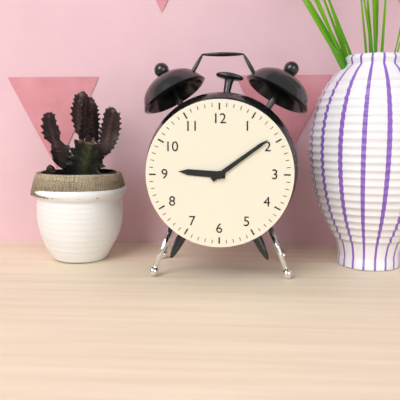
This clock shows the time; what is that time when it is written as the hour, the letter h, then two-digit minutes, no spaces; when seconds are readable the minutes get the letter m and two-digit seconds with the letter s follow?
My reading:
9h09
